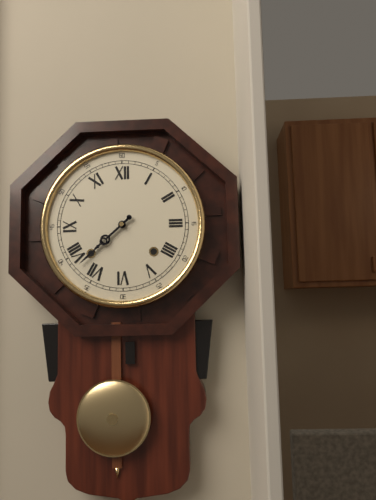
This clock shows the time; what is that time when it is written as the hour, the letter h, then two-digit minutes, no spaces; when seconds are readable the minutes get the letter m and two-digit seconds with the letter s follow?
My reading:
7h38
